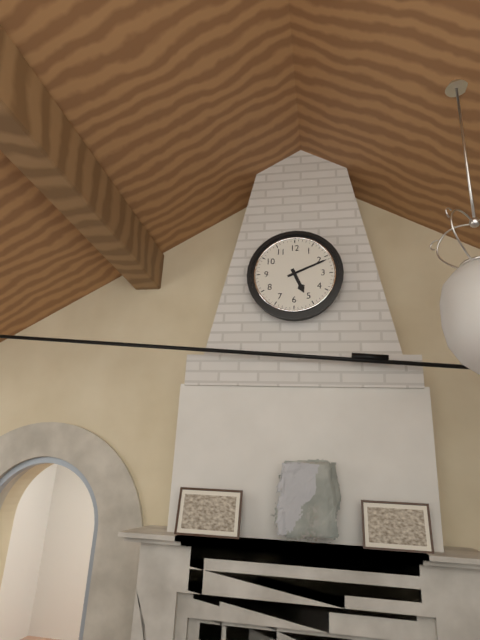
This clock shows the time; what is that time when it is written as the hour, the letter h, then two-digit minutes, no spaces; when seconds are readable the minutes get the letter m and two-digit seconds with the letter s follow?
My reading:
5h11
